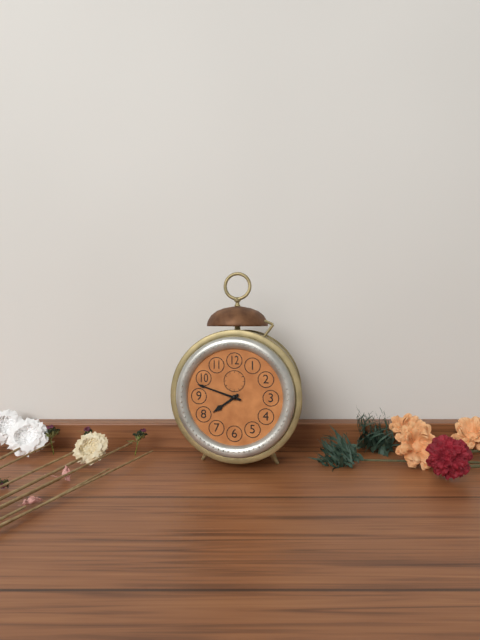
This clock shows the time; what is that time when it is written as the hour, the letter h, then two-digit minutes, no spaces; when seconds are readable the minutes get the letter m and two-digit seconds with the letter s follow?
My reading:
7h48
